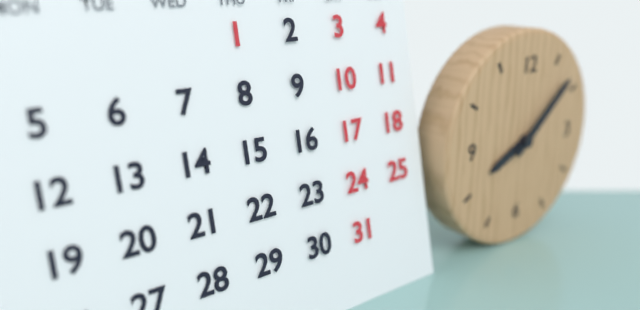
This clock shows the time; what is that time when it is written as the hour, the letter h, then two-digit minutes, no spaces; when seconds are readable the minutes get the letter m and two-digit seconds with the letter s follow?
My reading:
8h08
